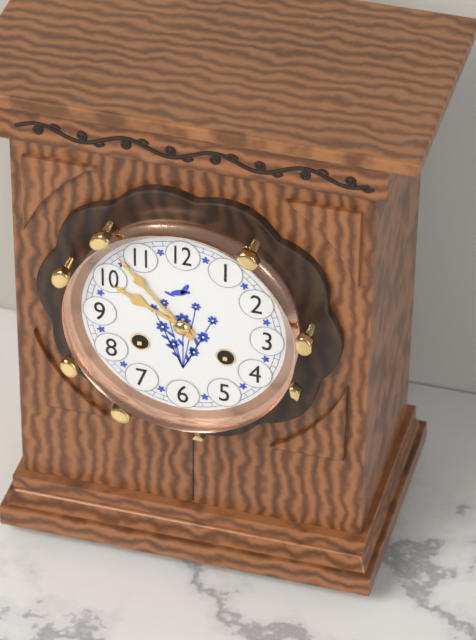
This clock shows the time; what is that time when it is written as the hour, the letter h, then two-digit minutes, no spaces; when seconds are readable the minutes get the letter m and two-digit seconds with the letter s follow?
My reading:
9h53
